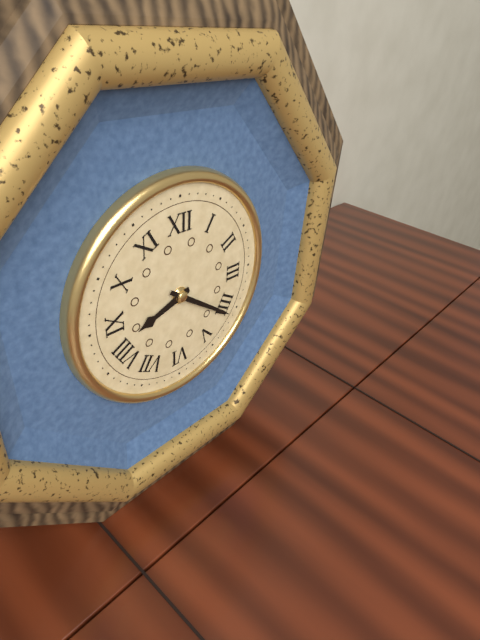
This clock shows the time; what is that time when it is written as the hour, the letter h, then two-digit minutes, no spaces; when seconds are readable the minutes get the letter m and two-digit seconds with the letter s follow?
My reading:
8h21
